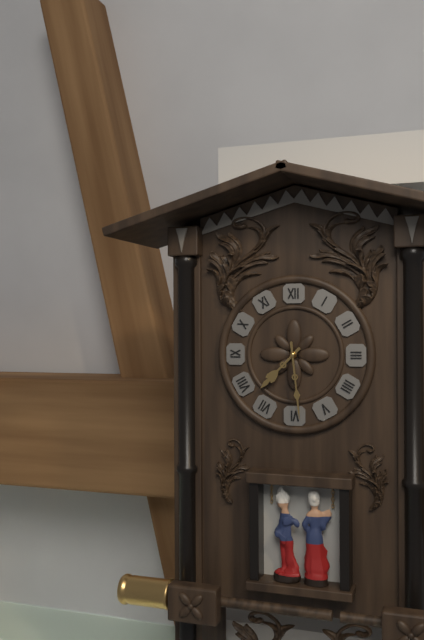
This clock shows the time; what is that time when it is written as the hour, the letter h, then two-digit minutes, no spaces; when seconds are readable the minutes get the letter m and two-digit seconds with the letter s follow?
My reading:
7h29
